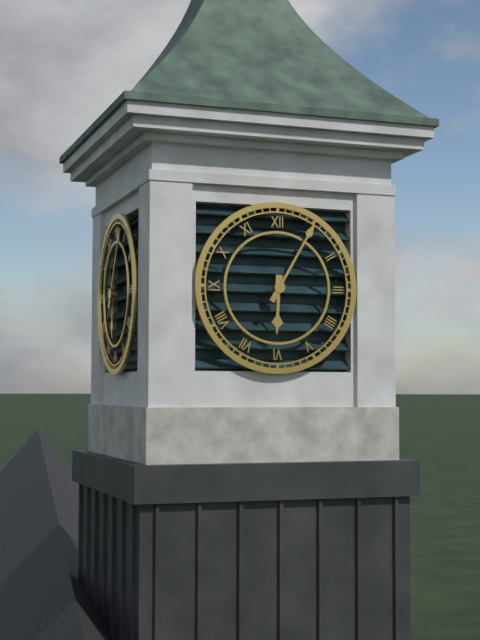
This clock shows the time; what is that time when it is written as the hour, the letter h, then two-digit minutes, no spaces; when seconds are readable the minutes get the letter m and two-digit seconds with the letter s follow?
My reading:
6h05
